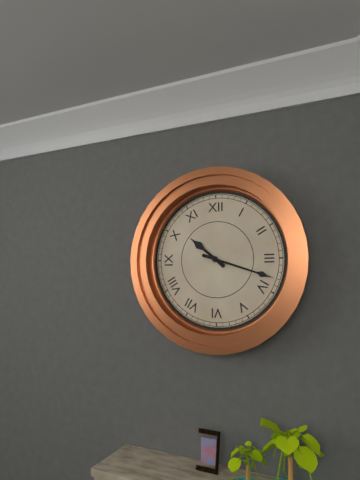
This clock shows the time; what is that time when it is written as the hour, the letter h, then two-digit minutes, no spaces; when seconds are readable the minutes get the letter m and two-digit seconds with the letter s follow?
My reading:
10h18
